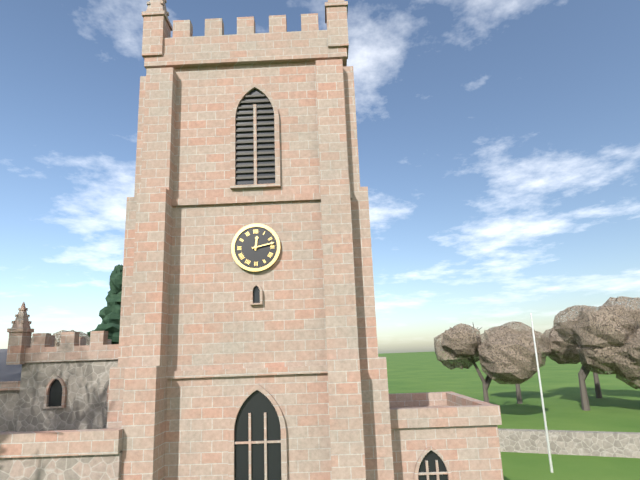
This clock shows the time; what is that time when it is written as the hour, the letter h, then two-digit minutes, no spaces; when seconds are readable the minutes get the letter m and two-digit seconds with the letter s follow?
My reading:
12h13
